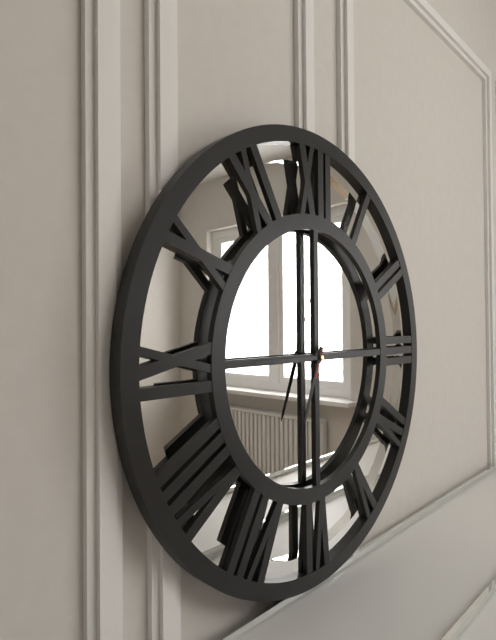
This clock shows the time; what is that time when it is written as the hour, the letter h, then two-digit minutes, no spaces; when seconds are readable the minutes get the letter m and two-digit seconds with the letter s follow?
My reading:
6h45m04s
